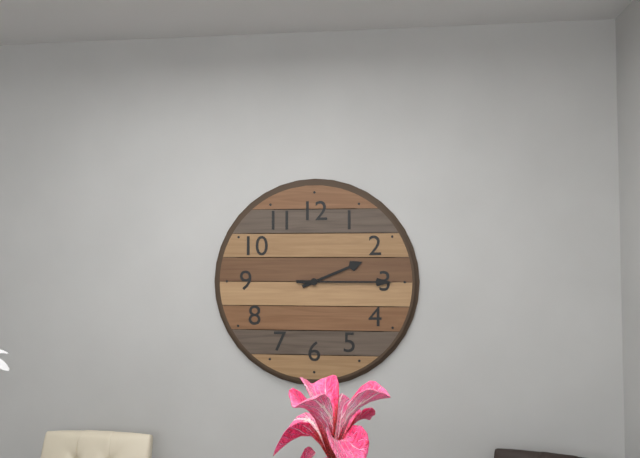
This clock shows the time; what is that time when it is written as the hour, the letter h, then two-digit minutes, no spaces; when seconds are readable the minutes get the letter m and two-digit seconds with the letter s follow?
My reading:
2h15
